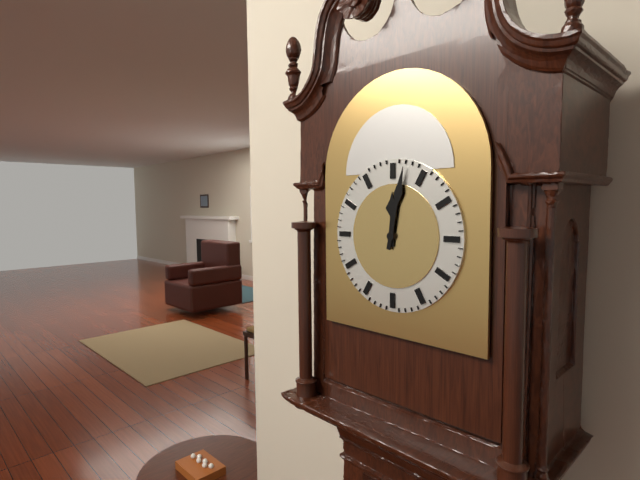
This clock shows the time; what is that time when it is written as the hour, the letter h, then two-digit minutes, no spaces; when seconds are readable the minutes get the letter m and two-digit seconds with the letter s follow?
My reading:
12h02
